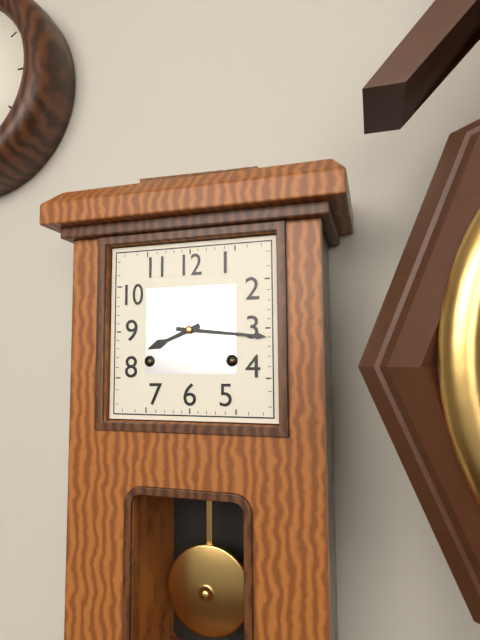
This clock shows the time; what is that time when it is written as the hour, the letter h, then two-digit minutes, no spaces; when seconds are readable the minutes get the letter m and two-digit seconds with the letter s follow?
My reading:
8h16
